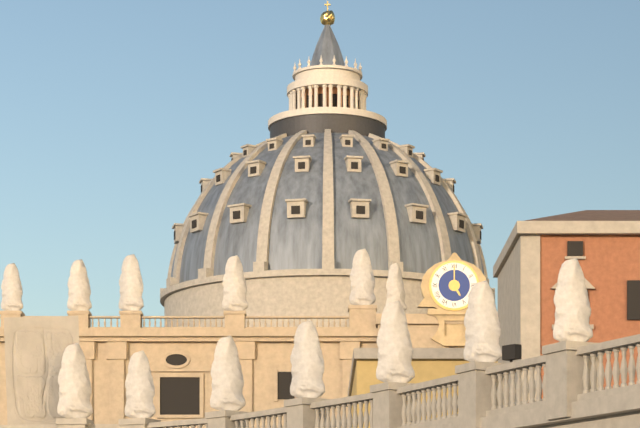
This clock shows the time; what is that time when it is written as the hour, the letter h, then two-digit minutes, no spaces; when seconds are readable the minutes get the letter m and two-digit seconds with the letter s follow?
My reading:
5h00
